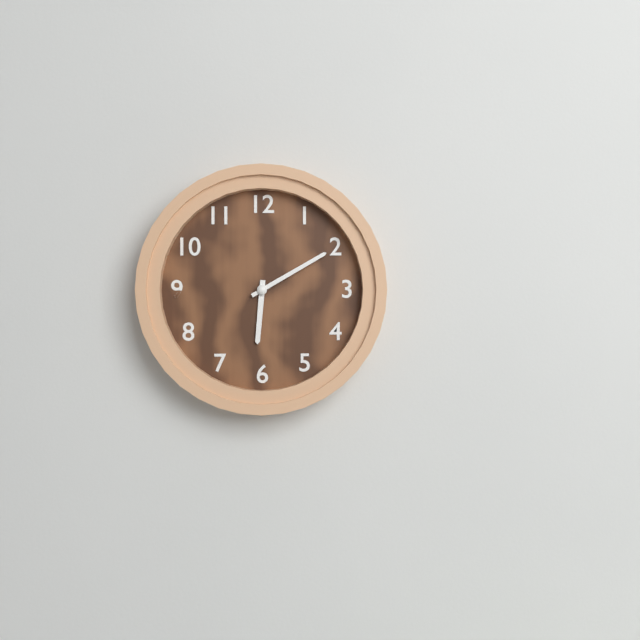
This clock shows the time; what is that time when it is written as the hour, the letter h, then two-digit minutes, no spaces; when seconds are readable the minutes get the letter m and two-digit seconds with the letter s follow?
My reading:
6h10
